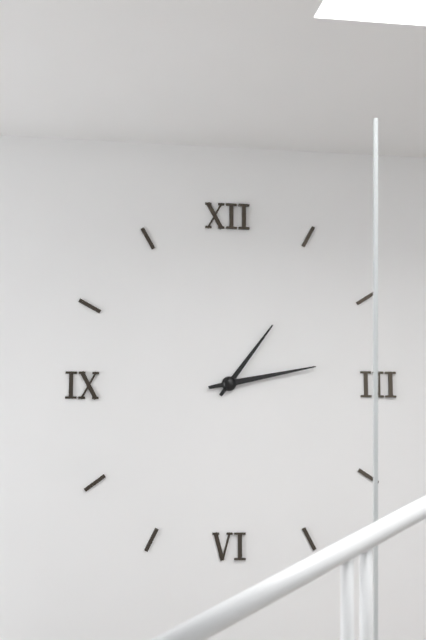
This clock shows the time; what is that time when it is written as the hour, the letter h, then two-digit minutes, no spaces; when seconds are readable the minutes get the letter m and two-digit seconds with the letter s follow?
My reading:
1h13
